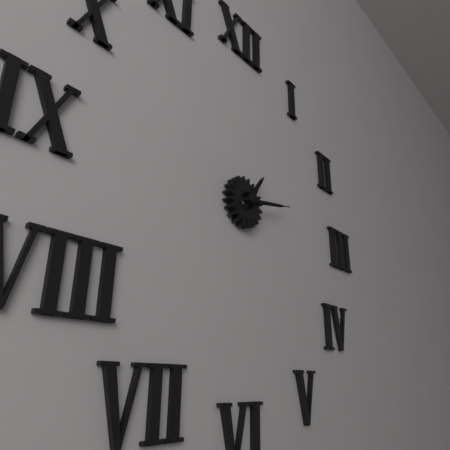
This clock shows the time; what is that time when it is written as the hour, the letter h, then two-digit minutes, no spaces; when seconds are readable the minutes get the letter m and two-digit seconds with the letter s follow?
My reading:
1h13m13s
